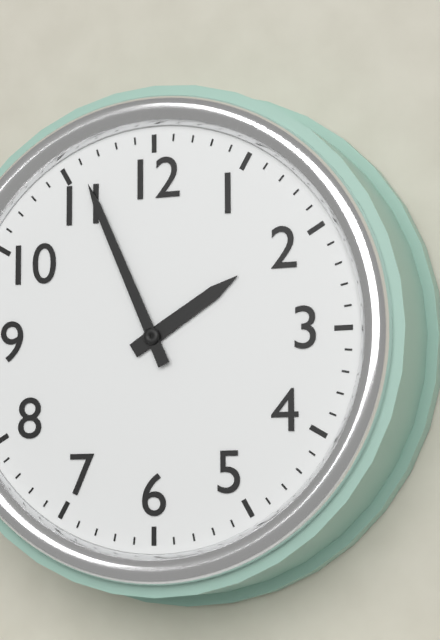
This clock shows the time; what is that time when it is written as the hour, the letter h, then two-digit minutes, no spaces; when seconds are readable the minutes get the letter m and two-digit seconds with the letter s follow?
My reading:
1h56
